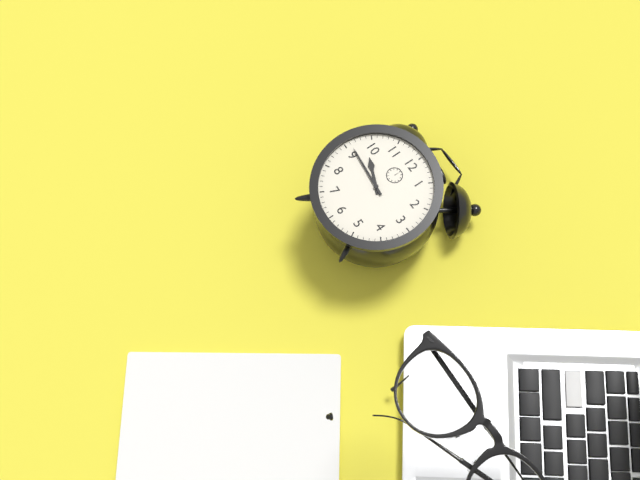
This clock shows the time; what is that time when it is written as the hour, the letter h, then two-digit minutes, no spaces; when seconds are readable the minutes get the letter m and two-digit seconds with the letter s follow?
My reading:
9h46
